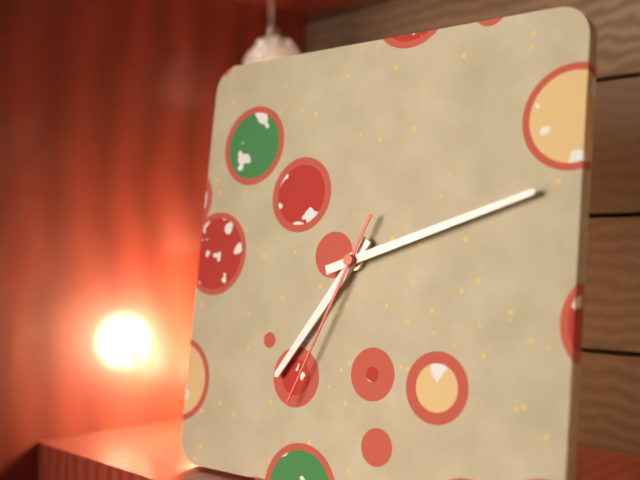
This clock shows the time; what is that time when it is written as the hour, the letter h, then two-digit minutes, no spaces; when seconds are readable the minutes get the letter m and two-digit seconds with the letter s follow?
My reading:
7h12m34s
